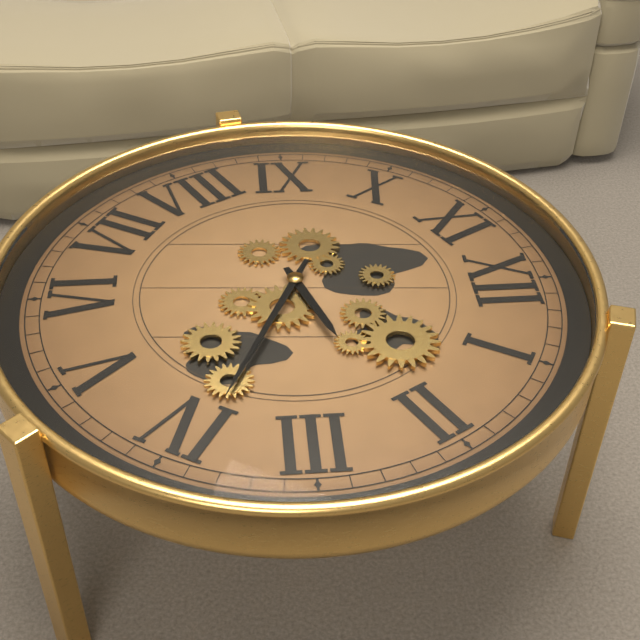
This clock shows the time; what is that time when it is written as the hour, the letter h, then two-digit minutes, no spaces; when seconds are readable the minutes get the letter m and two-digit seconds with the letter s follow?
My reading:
2h19
